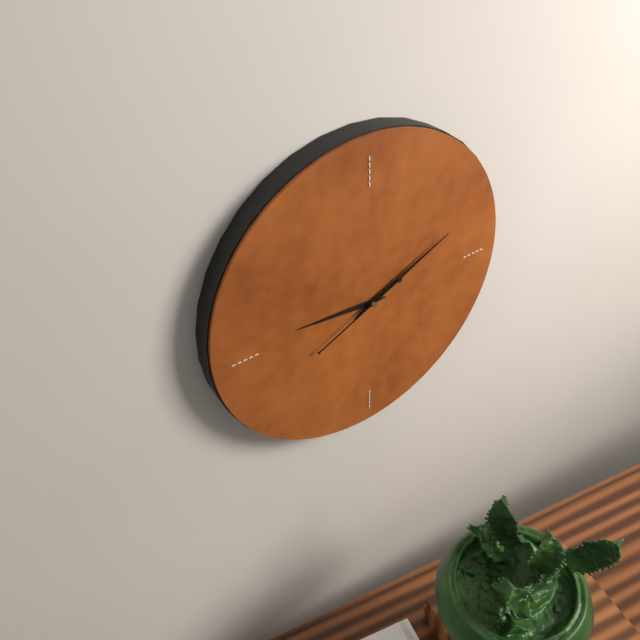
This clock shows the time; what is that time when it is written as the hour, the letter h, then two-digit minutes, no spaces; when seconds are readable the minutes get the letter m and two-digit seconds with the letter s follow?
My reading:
9h11m41s
